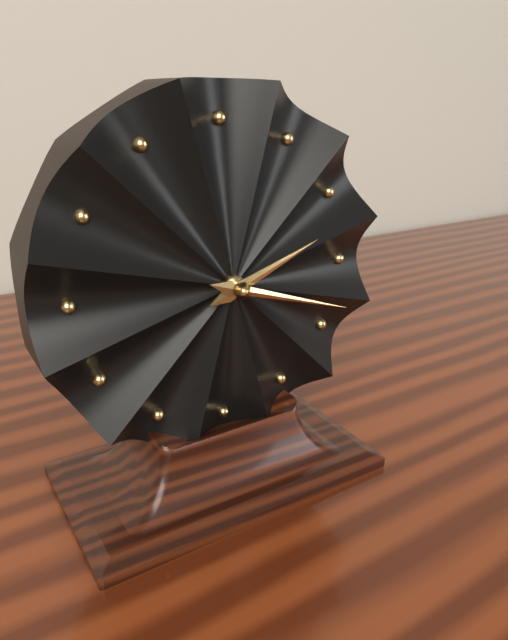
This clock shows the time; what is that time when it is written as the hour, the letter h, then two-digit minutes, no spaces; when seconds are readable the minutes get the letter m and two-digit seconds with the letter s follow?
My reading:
2h18
